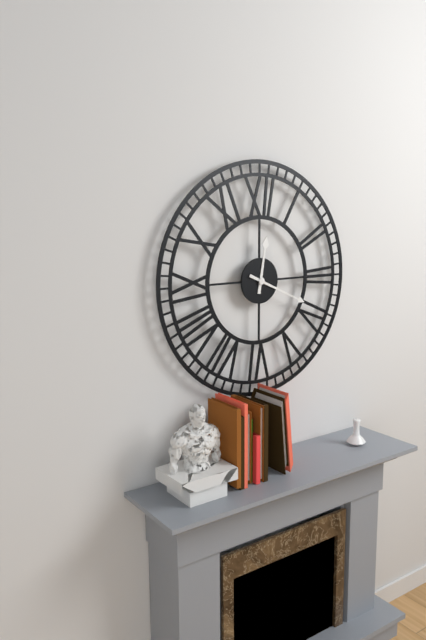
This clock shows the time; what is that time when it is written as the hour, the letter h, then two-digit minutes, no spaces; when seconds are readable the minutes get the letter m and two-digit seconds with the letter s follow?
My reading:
12h19
